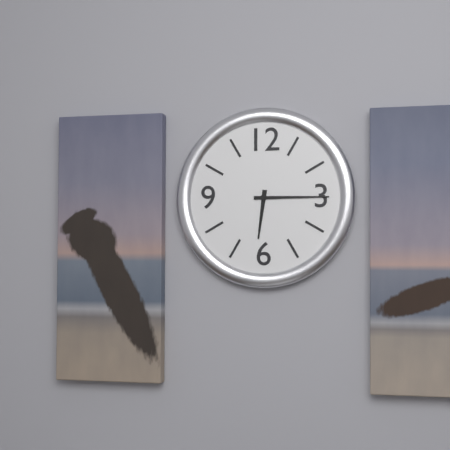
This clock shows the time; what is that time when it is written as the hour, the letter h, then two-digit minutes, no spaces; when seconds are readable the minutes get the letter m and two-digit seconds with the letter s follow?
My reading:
6h15
